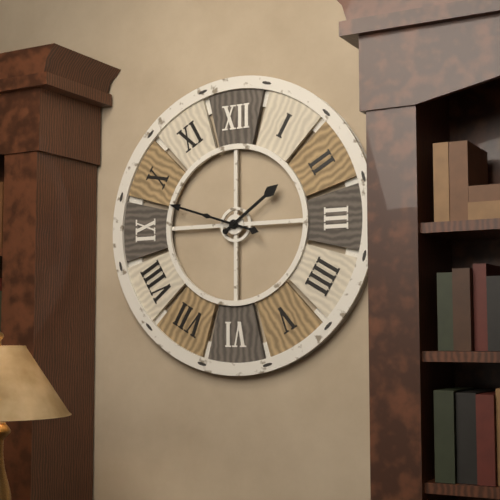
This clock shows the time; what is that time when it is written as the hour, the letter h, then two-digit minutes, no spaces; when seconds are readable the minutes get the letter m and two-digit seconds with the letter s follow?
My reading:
1h48
